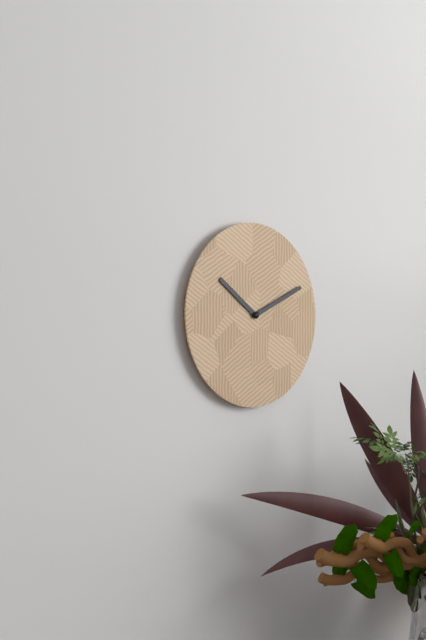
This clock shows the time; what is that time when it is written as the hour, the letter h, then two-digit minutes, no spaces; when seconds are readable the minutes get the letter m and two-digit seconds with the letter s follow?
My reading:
10h11
